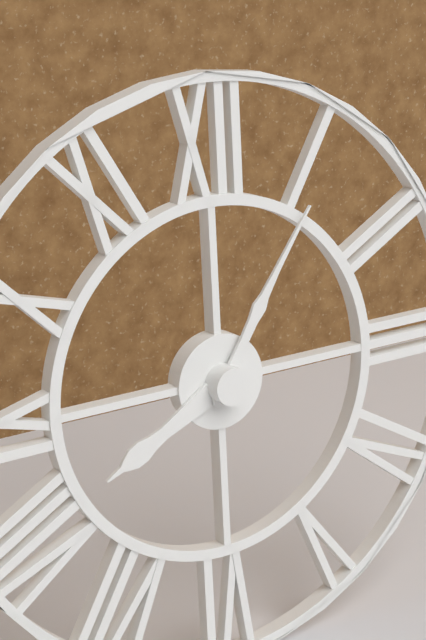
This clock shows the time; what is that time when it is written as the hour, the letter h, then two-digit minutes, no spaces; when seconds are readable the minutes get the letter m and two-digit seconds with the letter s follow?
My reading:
8h05
